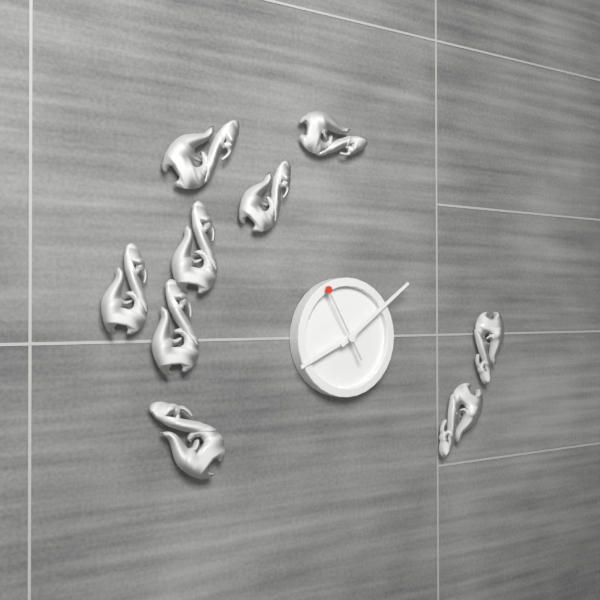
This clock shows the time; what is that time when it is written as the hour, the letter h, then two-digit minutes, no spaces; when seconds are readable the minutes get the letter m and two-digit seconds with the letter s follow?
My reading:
8h09m55s
